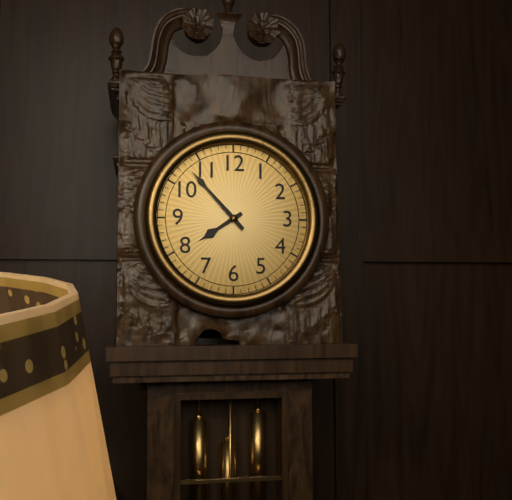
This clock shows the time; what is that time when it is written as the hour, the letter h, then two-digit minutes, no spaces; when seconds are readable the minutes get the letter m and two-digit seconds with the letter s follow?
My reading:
7h53
